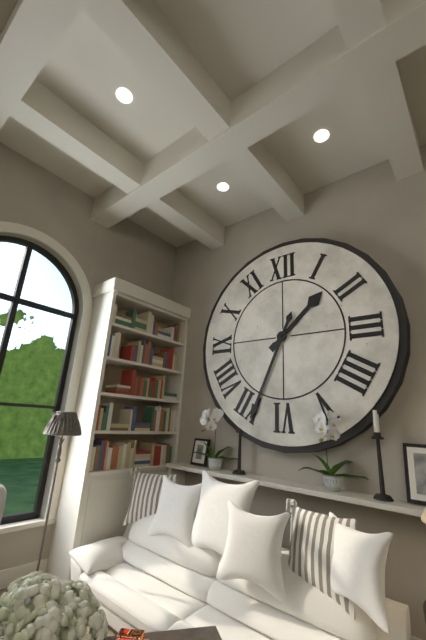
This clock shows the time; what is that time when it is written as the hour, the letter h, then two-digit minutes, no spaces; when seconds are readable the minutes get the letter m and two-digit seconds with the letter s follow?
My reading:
1h34
